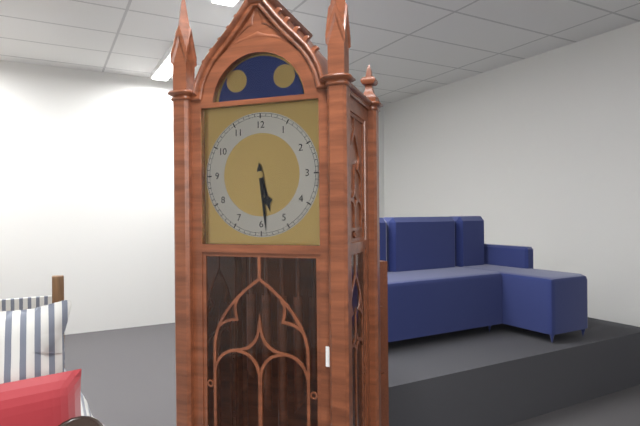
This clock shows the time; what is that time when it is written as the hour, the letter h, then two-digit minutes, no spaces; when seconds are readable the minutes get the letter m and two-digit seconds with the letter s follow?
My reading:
5h29
